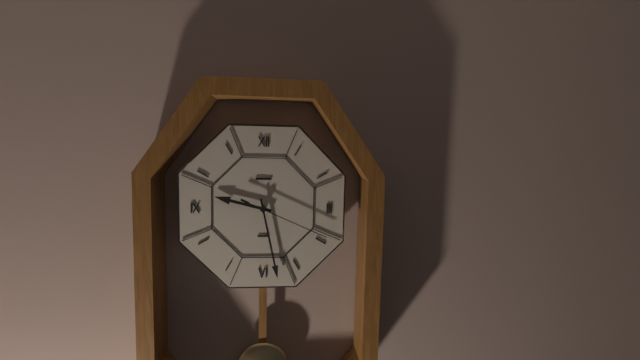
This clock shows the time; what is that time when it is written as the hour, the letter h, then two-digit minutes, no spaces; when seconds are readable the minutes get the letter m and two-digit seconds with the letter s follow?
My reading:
9h28m19s
